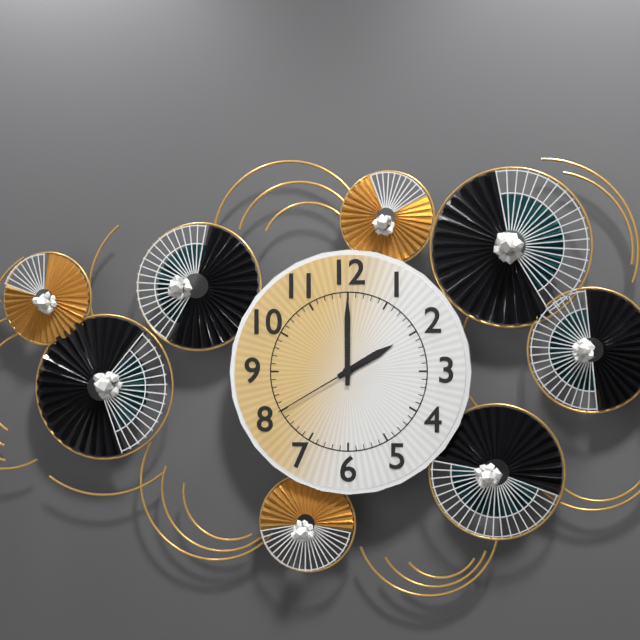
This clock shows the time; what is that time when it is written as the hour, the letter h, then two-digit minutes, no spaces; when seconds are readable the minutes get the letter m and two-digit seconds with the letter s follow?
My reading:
2h00m40s
